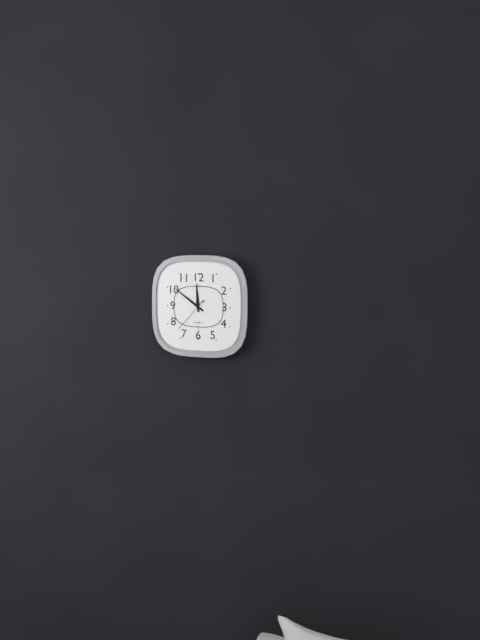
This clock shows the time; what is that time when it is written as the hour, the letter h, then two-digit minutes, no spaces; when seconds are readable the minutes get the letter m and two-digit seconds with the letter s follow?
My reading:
11h51
